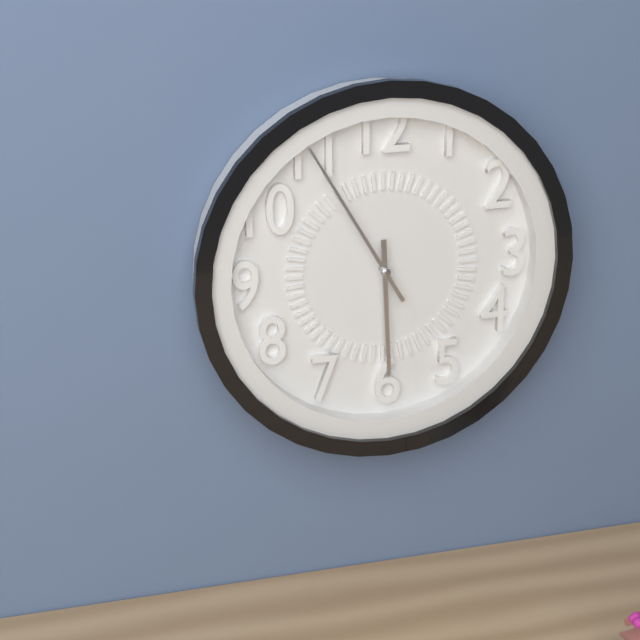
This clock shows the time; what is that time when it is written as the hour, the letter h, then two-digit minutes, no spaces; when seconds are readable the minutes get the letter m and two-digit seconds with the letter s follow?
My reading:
5h55
